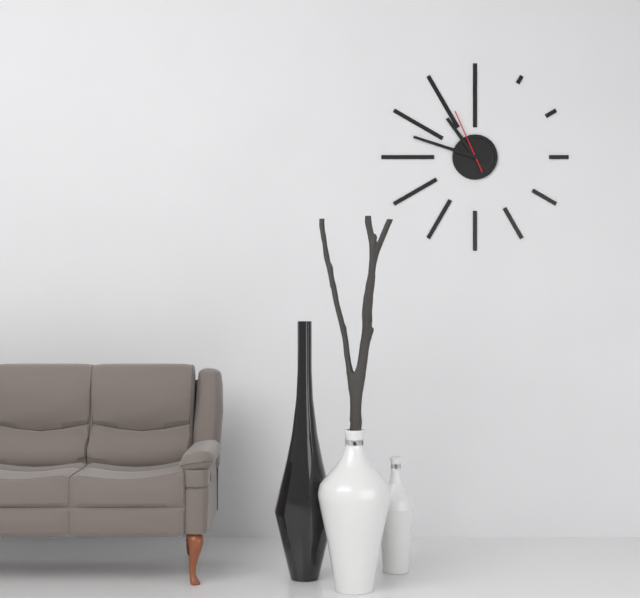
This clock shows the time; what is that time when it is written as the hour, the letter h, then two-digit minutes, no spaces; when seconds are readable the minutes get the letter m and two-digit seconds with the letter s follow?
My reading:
10h48m56s
